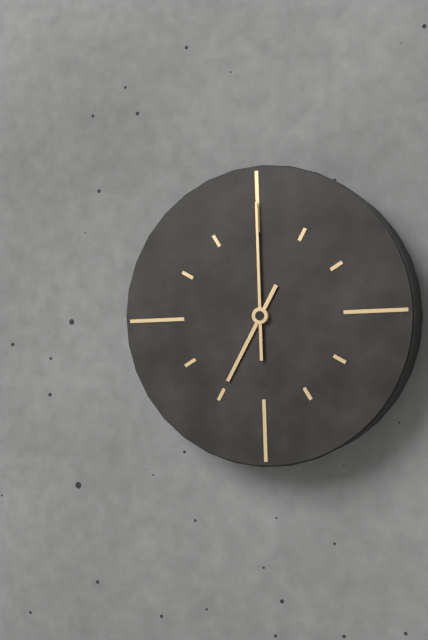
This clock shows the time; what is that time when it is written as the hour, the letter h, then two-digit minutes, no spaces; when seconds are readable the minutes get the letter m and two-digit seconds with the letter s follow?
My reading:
7h00
